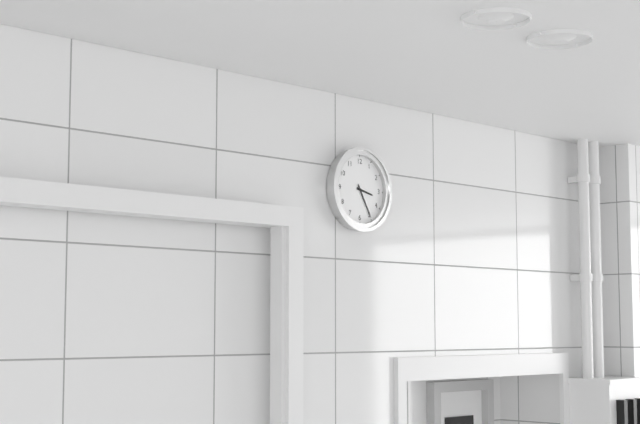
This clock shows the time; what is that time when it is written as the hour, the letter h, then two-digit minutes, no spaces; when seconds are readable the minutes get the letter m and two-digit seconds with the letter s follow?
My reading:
3h25
